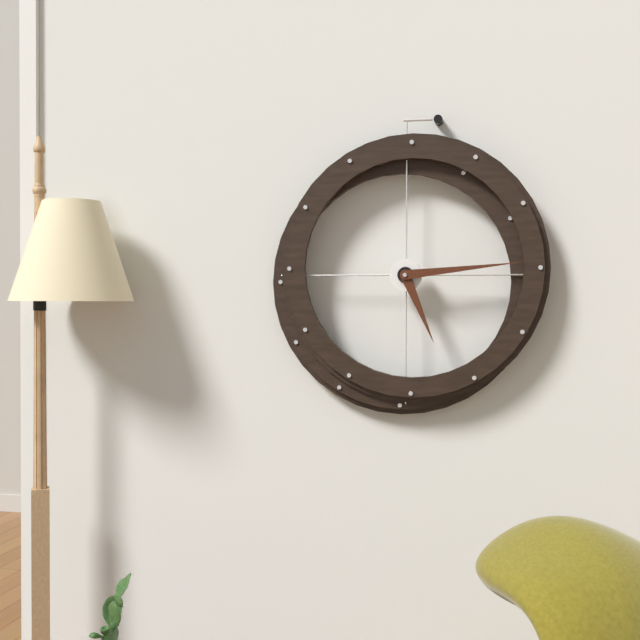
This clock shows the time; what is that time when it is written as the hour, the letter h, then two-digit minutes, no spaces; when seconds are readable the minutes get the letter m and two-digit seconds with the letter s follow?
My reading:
5h14
